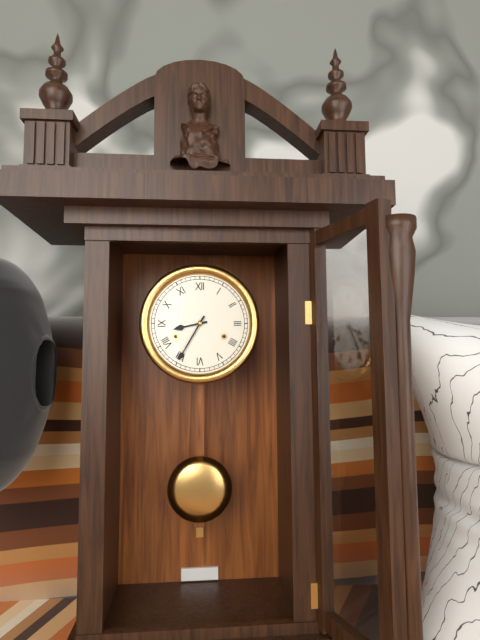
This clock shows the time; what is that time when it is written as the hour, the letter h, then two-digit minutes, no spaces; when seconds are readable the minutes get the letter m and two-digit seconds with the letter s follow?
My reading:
8h35
